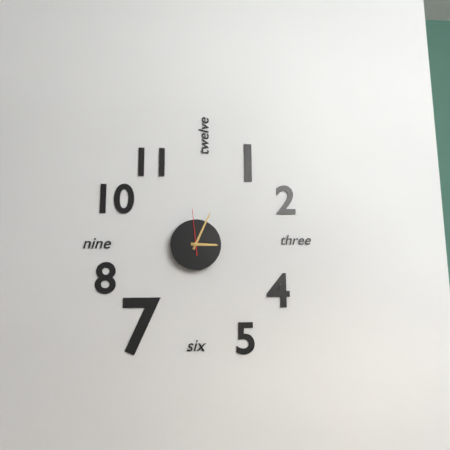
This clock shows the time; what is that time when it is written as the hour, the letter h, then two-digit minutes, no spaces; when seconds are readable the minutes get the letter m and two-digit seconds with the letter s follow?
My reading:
3h04
